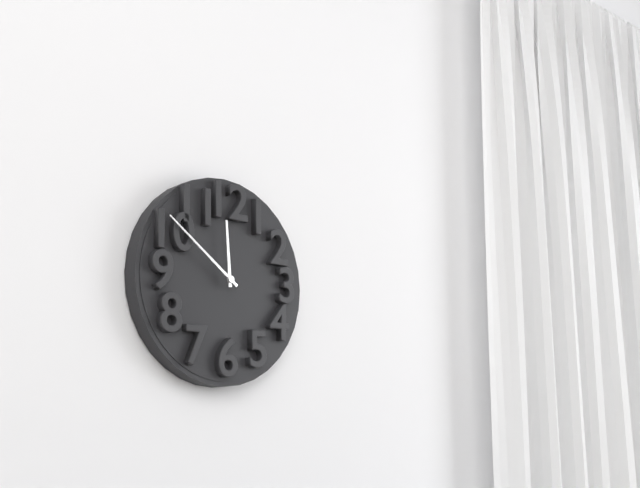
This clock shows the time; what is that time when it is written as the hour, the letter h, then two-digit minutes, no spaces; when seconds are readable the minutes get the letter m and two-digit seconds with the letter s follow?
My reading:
11h51
